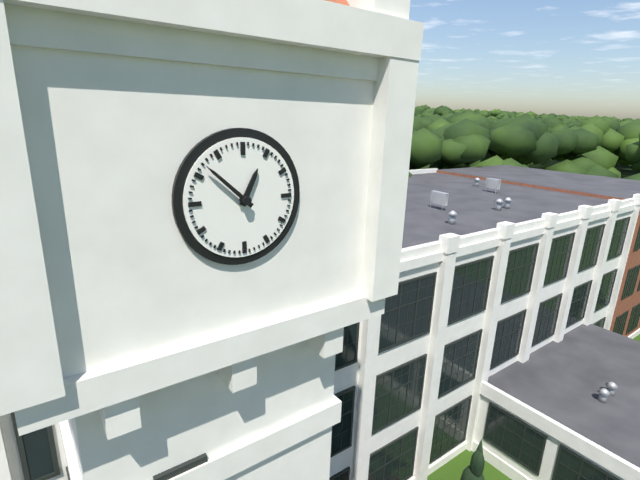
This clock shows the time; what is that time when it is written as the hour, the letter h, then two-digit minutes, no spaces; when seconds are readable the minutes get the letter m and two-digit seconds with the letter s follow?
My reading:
12h52
